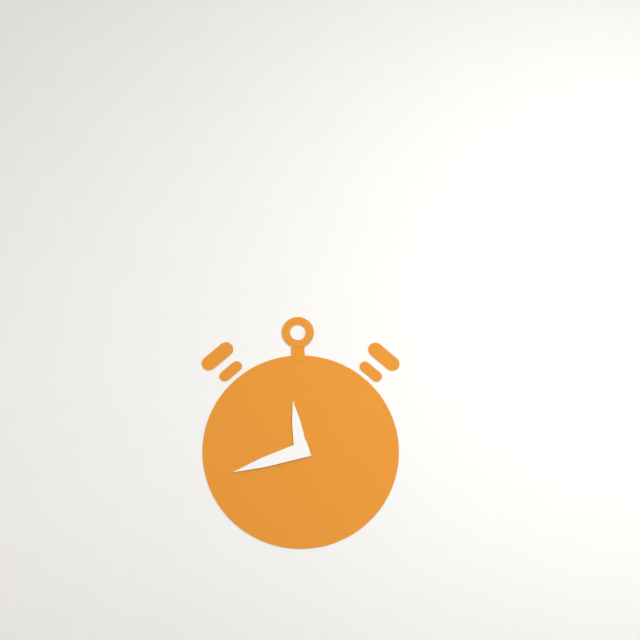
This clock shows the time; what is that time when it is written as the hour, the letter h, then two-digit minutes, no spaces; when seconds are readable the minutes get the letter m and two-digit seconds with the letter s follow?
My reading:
11h42
